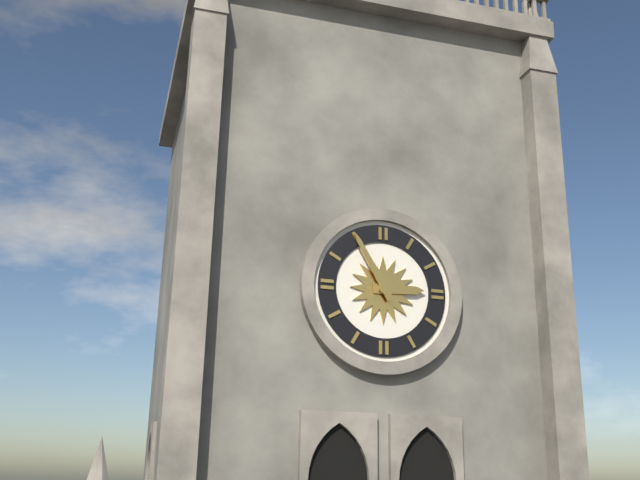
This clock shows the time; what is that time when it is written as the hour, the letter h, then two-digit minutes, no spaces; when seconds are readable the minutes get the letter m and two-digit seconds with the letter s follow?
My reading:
2h55
